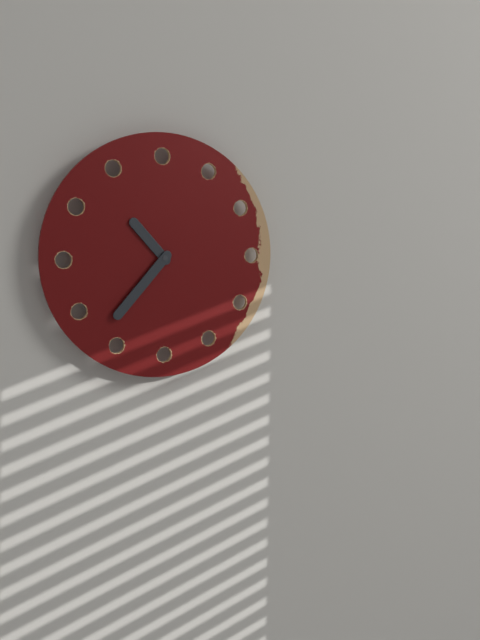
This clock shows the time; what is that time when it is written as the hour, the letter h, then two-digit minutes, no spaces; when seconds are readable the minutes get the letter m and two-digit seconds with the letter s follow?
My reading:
10h37
